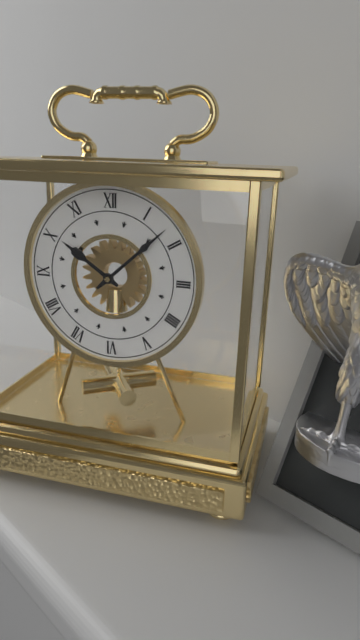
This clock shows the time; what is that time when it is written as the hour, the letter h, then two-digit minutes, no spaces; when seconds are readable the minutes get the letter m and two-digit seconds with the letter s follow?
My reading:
10h08
